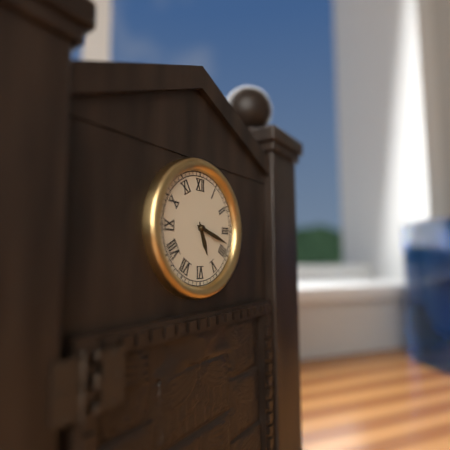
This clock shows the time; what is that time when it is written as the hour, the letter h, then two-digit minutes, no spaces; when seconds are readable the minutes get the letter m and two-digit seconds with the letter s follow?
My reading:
5h18
